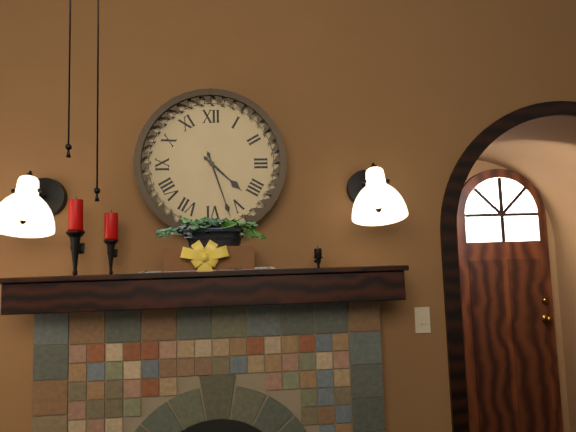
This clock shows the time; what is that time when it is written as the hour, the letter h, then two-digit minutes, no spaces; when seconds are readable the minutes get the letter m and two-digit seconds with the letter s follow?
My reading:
4h27
